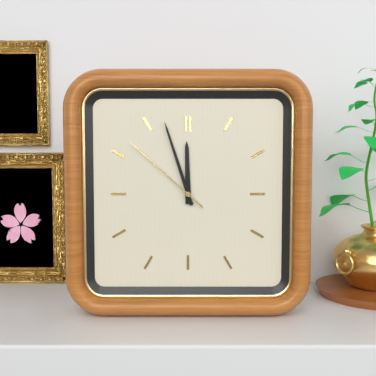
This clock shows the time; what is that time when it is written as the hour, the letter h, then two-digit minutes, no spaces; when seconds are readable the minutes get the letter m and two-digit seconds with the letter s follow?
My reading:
11h57m52s
